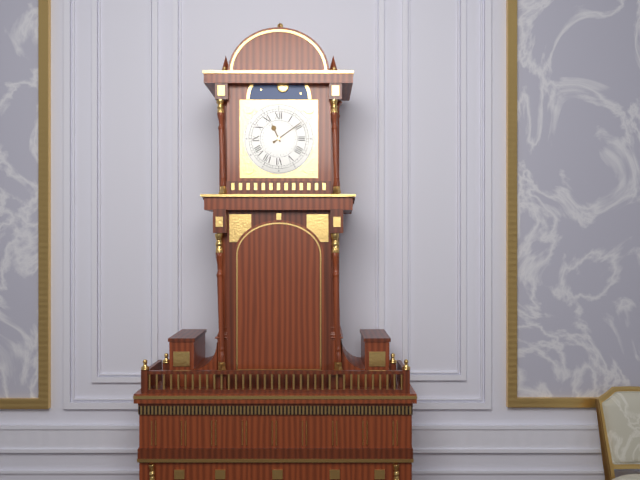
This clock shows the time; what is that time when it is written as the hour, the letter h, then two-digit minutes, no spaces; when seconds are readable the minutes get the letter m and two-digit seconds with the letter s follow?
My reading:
11h09
